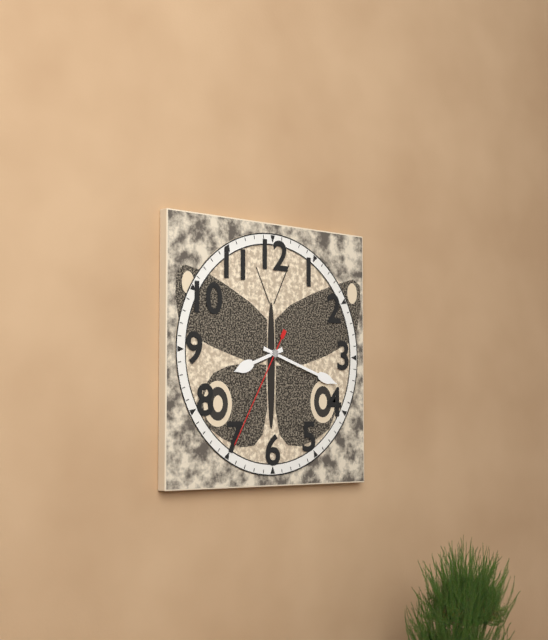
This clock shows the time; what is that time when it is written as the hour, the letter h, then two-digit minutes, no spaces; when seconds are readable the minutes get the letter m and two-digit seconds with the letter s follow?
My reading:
8h18m35s
